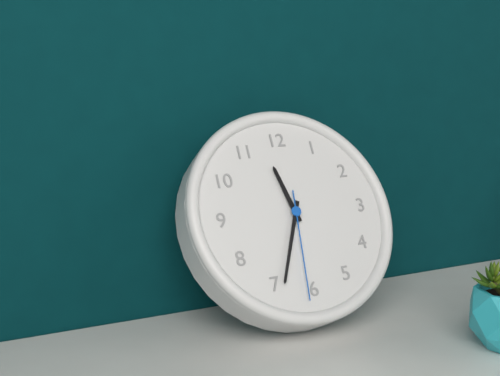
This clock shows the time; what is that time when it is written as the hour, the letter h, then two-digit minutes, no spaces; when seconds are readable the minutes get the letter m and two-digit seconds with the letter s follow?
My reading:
11h34m31s
